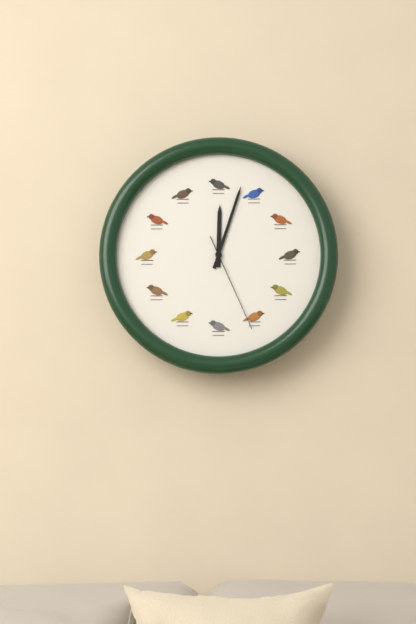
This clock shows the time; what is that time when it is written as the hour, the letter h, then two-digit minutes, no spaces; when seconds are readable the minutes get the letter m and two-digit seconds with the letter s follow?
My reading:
12h03m26s
